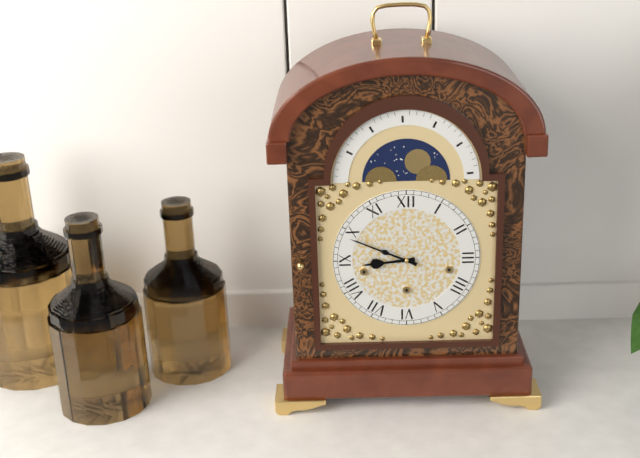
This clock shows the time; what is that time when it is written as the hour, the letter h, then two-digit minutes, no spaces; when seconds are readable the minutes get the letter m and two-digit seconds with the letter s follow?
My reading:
8h49
